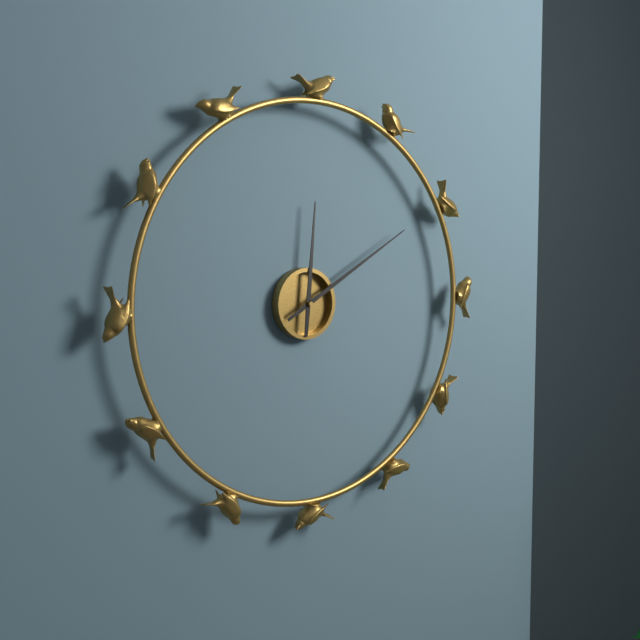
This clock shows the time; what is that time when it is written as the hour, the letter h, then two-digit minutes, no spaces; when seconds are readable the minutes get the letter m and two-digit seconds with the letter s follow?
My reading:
12h10
